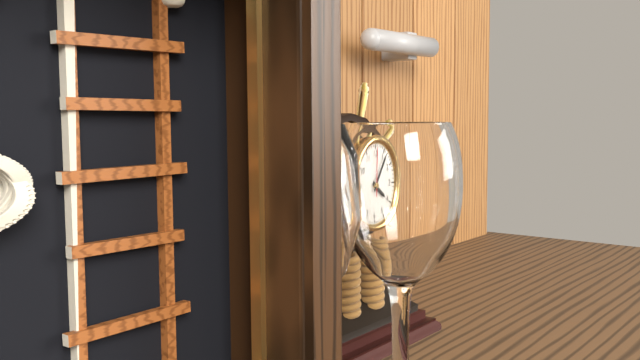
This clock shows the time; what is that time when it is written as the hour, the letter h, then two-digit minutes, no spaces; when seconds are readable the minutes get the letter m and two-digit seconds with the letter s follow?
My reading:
4h06
